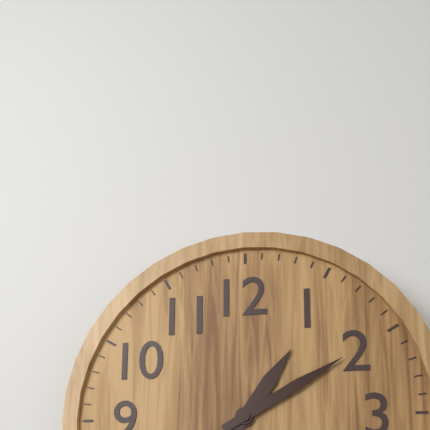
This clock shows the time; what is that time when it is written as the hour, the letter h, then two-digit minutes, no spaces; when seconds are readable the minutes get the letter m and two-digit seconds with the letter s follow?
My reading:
1h10
